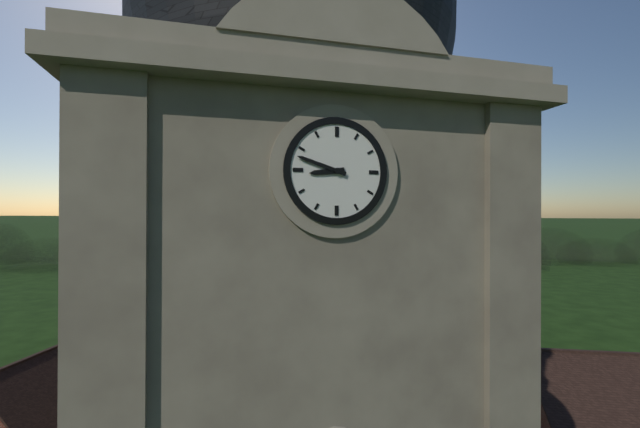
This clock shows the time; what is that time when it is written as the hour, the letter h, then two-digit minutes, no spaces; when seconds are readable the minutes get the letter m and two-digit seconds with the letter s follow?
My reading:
8h48
